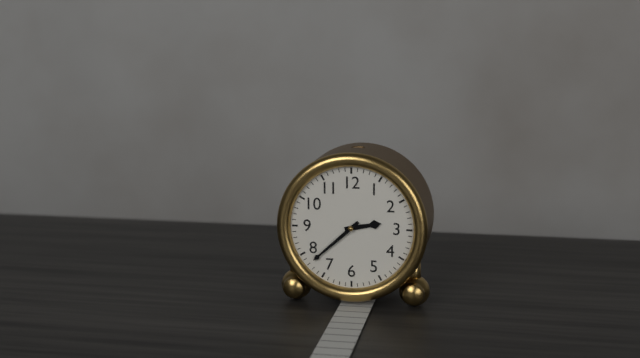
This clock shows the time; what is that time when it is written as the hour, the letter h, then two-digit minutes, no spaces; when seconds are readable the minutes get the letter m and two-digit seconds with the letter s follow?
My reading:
2h38
